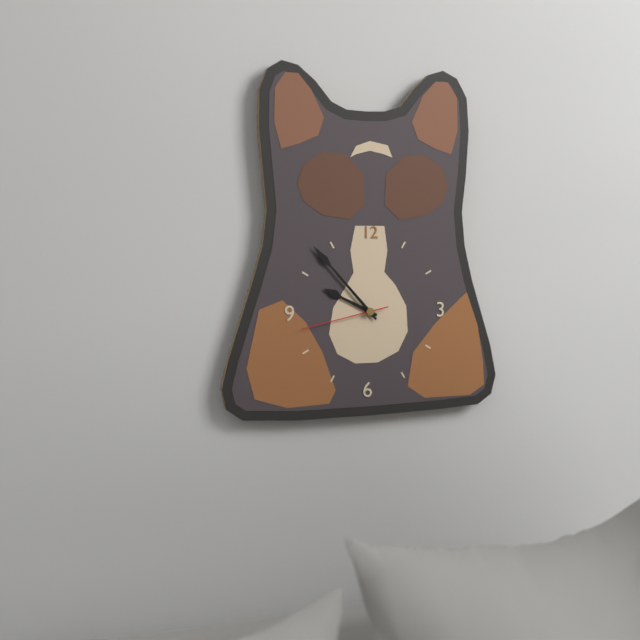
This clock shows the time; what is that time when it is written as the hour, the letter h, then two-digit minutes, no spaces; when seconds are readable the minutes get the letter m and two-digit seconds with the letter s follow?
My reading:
9h53m43s
